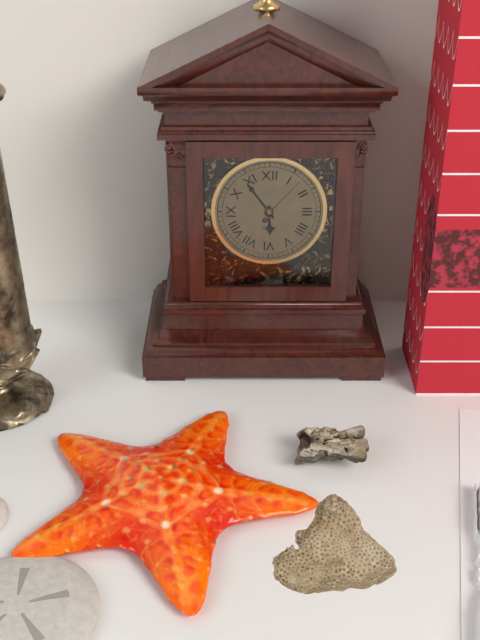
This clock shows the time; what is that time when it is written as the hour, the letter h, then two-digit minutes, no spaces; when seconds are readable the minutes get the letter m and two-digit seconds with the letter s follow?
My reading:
5h54m07s
